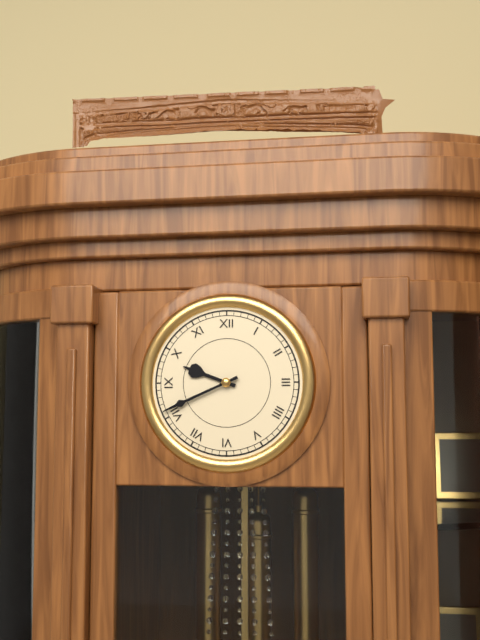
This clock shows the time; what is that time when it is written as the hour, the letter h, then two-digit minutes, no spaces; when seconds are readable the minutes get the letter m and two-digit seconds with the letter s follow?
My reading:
9h41
